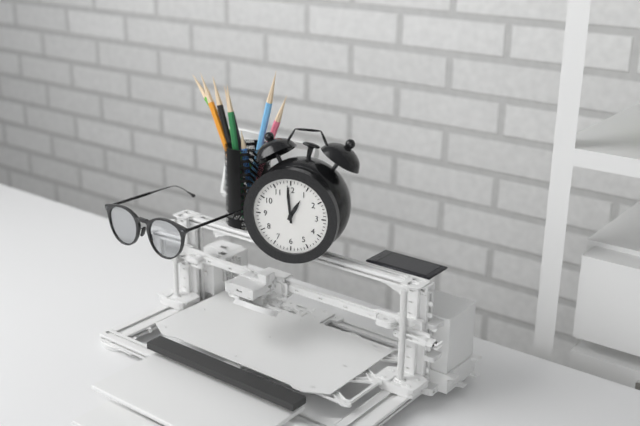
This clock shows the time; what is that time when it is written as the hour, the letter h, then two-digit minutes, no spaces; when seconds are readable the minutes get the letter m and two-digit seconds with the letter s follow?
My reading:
12h59
